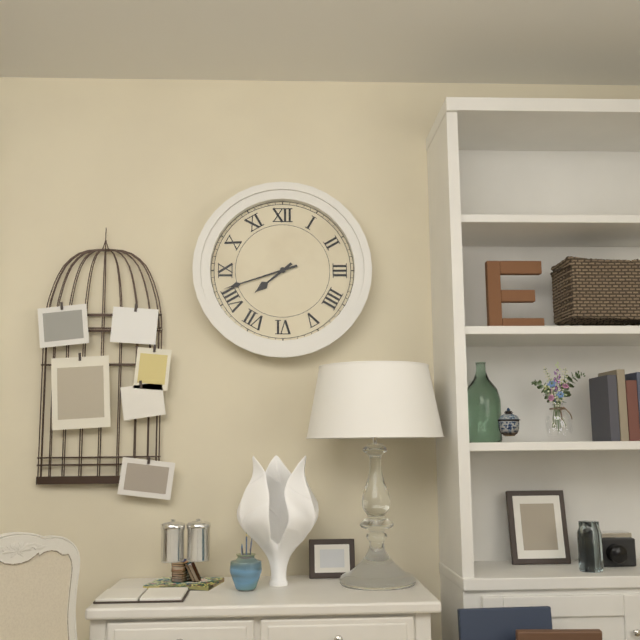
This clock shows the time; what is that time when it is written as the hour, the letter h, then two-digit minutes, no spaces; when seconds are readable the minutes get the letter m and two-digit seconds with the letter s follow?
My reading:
7h42
